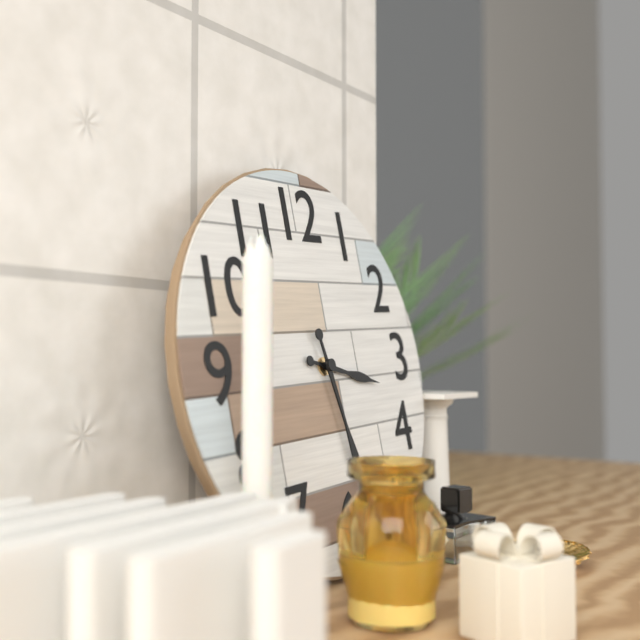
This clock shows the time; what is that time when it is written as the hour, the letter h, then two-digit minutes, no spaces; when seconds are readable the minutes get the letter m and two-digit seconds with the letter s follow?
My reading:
3h28
